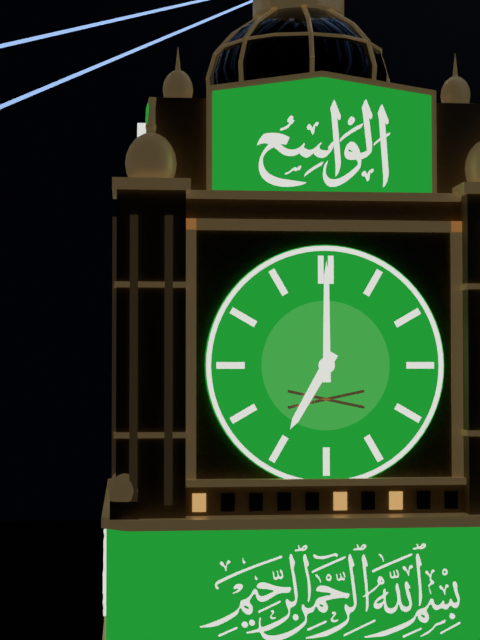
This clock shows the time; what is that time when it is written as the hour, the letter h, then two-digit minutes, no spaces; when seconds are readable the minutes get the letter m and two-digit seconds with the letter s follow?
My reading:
7h00
